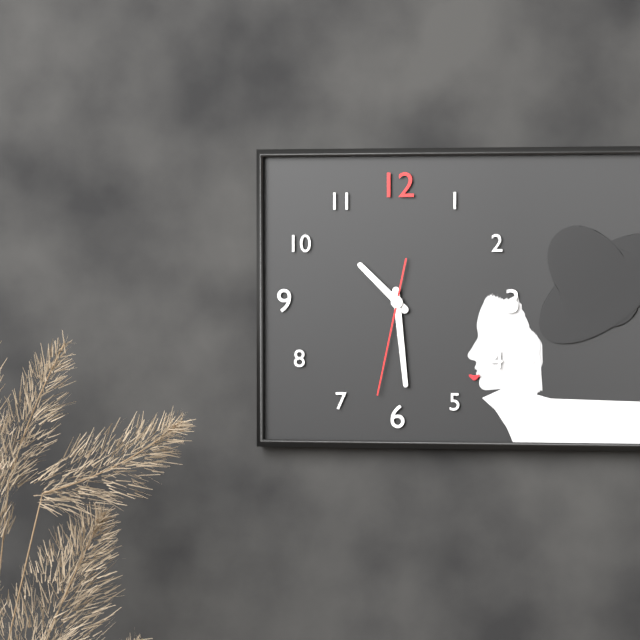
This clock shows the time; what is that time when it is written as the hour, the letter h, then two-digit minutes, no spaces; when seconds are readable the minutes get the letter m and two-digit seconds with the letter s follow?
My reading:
10h29m32s
